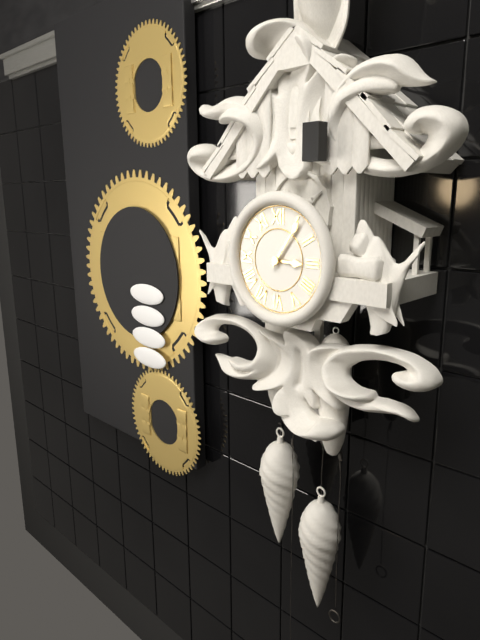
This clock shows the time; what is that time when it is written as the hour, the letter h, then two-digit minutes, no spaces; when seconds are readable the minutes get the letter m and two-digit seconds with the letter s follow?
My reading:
3h06
